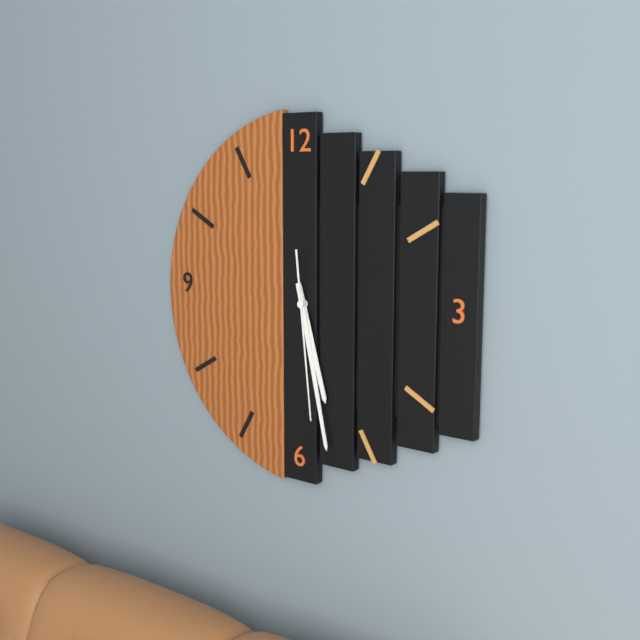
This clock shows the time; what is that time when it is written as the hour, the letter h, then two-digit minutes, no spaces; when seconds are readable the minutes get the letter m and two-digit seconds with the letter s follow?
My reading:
5h28m29s
